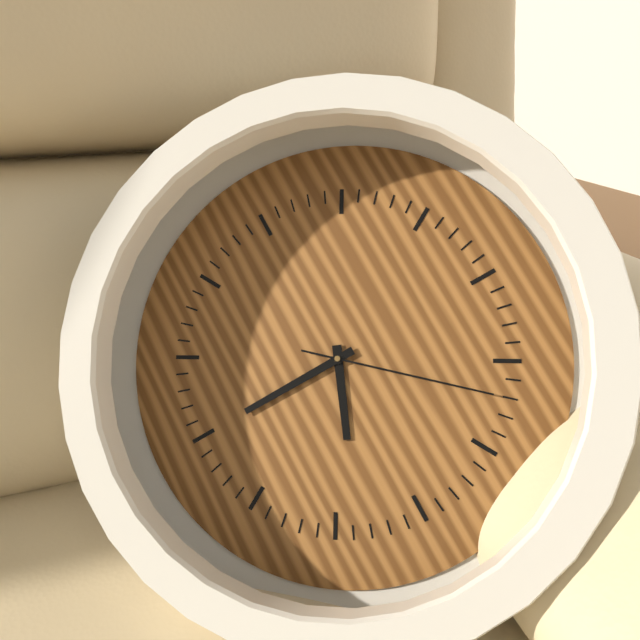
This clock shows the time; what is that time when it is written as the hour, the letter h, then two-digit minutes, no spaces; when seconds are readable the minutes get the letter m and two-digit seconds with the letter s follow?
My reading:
6h45m22s
